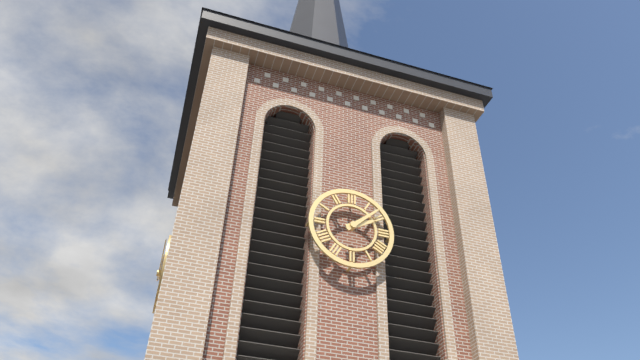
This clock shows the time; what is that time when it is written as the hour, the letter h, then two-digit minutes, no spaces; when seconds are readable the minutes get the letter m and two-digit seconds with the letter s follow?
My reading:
2h08
